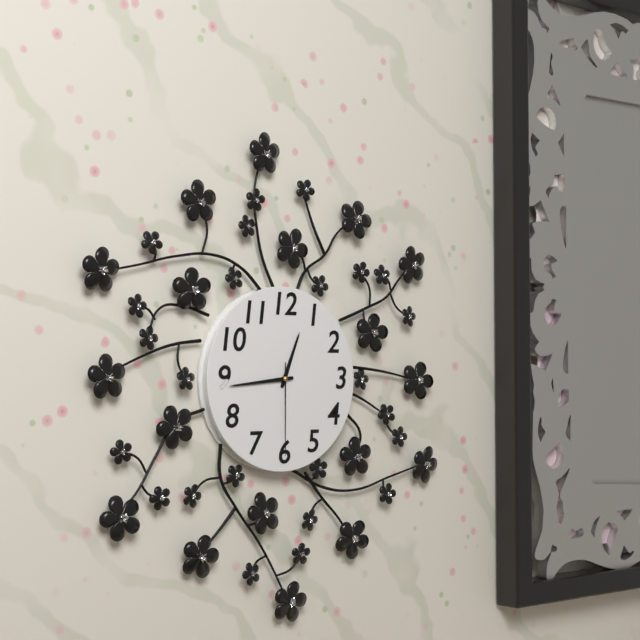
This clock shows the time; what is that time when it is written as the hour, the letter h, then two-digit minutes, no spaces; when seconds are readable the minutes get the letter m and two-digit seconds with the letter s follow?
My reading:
12h44m30s
